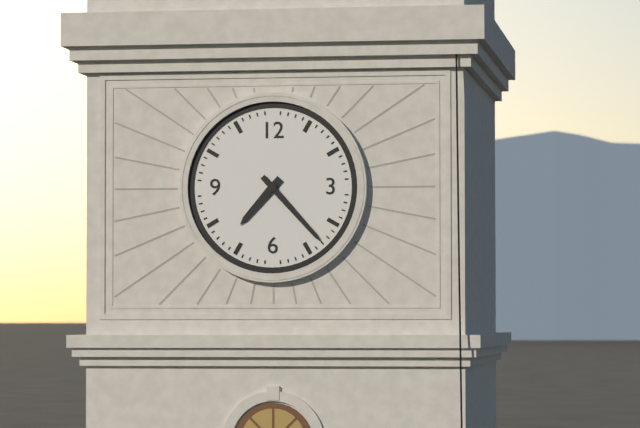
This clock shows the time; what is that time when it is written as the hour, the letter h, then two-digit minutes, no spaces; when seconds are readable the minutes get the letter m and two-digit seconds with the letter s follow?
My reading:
7h23
